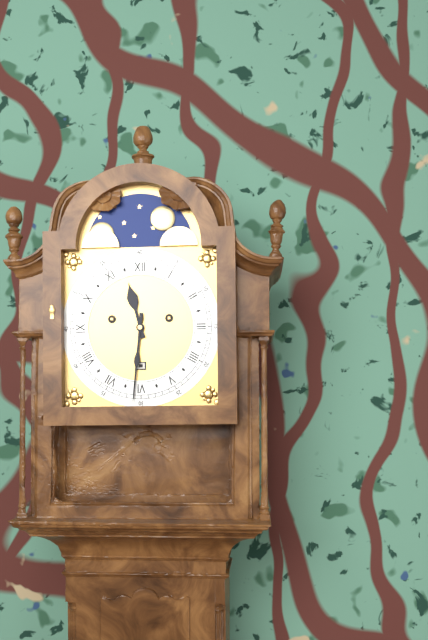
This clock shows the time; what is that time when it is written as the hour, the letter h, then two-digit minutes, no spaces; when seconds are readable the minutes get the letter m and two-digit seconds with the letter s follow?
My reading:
11h31
